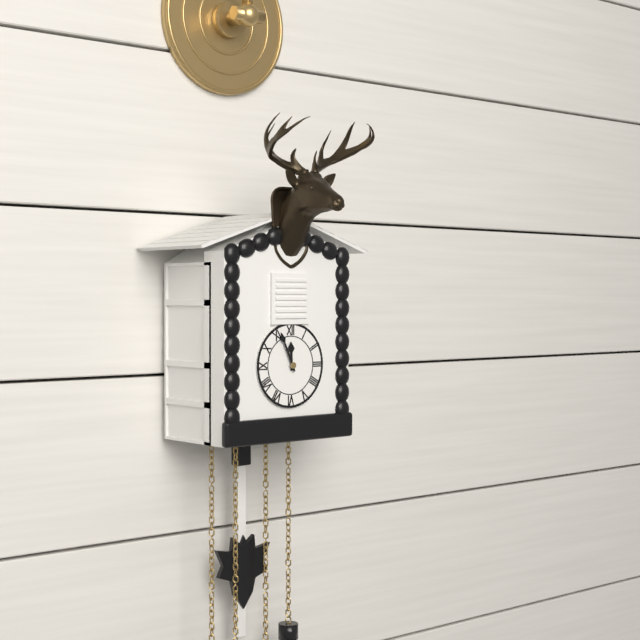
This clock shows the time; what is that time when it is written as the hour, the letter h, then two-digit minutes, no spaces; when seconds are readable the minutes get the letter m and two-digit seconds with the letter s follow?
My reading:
11h56
